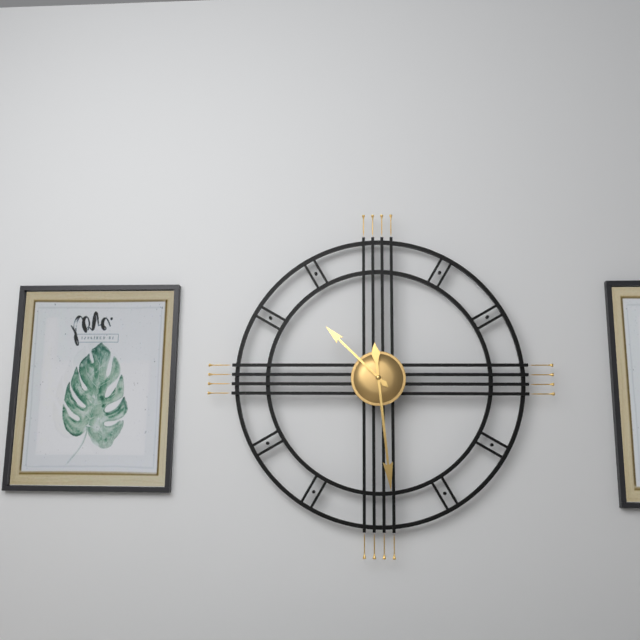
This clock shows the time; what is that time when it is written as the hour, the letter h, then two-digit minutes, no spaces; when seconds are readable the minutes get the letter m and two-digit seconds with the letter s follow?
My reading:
10h29
